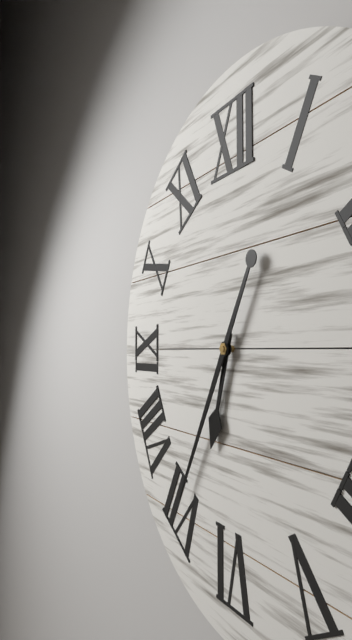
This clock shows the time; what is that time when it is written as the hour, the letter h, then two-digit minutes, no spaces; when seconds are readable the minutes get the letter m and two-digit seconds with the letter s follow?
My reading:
6h35
